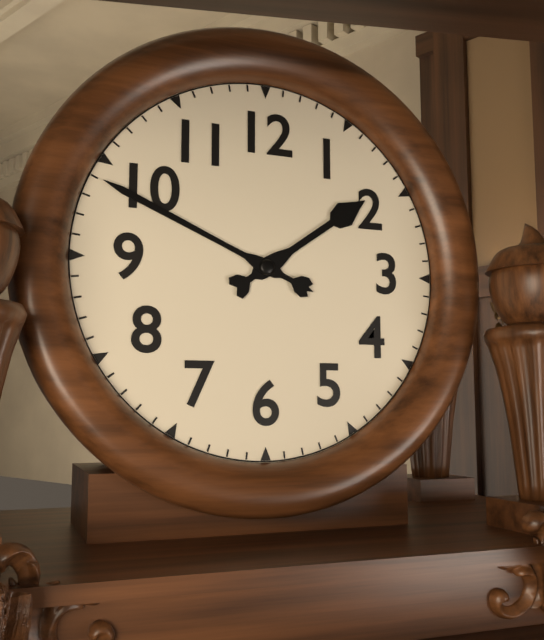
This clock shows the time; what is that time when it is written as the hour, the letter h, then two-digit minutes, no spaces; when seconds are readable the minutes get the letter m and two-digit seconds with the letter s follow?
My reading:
1h49
